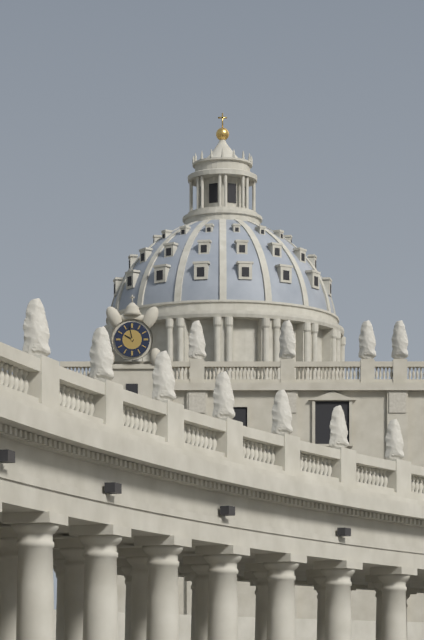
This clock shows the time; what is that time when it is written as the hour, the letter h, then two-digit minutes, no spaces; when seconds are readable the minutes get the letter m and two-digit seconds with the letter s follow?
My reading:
9h58
